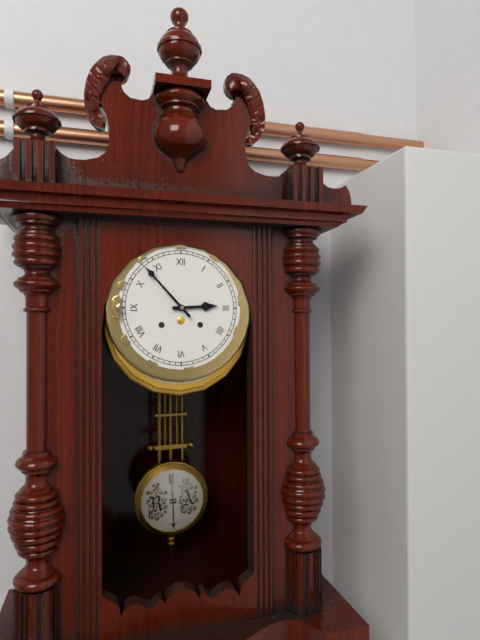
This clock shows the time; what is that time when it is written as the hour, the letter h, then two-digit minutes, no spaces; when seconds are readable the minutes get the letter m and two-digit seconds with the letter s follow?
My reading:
2h53
